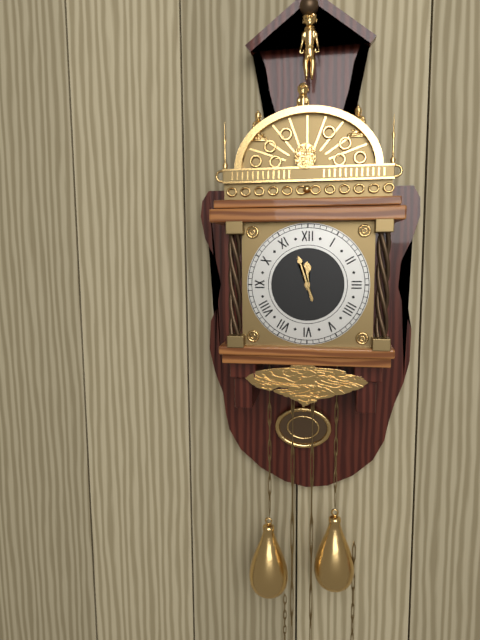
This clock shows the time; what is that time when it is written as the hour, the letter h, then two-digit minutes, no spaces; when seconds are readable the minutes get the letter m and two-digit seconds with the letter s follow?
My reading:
11h57
